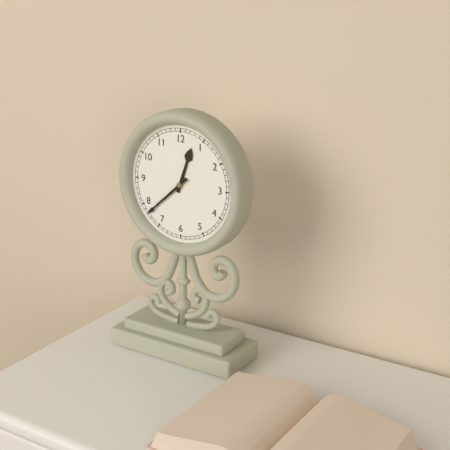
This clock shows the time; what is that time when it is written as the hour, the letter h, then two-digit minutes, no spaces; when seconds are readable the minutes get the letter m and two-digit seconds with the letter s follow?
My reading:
12h38
